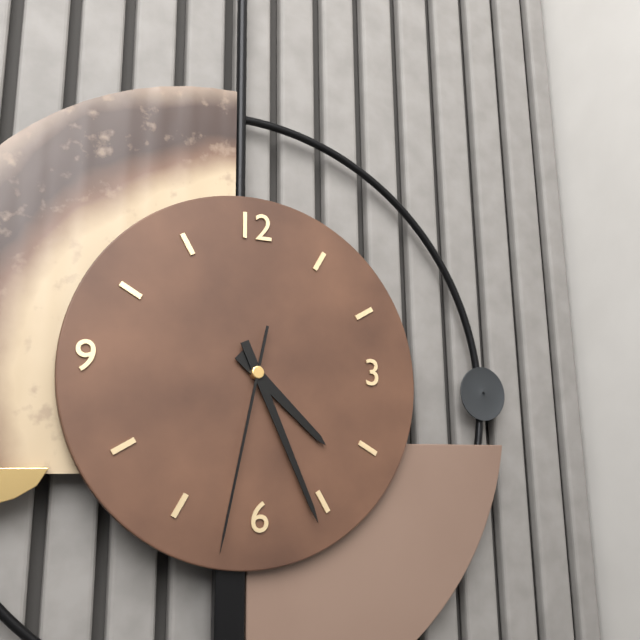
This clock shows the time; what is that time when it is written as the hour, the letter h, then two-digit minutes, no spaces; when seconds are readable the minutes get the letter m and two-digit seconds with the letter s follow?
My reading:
4h26m32s
